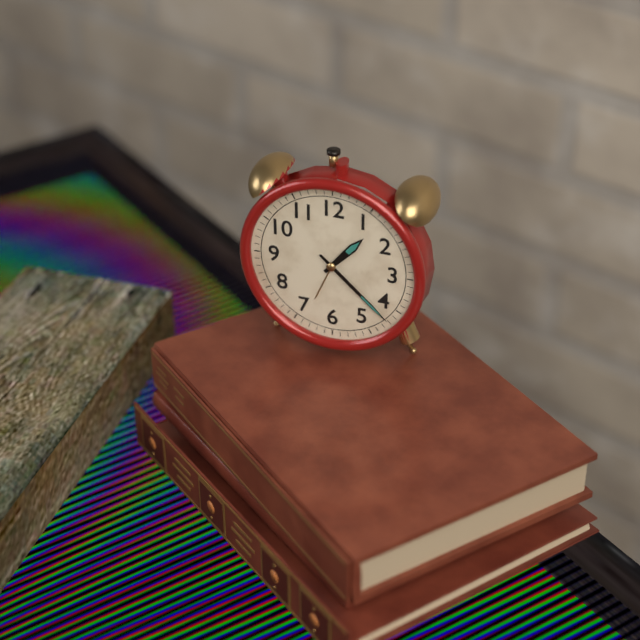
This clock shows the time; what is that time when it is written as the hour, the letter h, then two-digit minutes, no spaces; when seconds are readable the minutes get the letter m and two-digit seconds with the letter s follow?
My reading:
1h22
